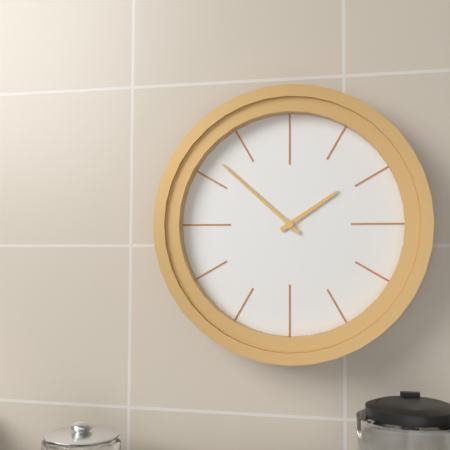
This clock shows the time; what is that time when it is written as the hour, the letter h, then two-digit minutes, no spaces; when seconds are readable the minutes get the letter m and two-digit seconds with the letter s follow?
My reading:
1h52
